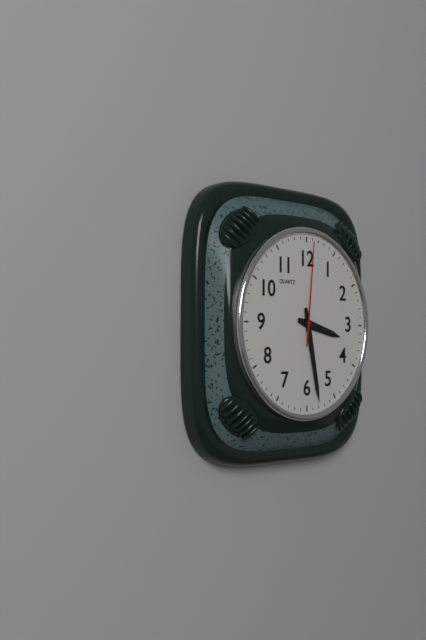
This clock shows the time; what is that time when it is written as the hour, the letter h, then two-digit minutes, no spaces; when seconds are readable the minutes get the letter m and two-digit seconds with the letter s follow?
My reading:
3h28m01s
